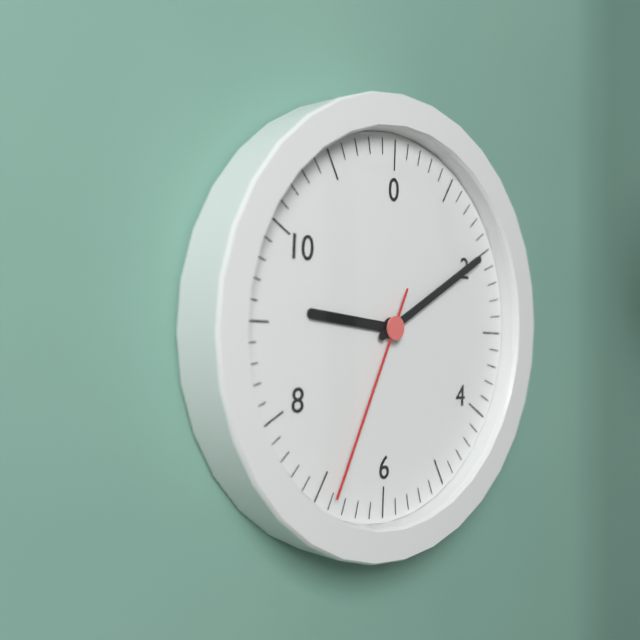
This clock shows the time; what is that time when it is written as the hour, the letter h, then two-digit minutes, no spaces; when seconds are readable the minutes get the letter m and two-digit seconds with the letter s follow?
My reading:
9h10m34s
